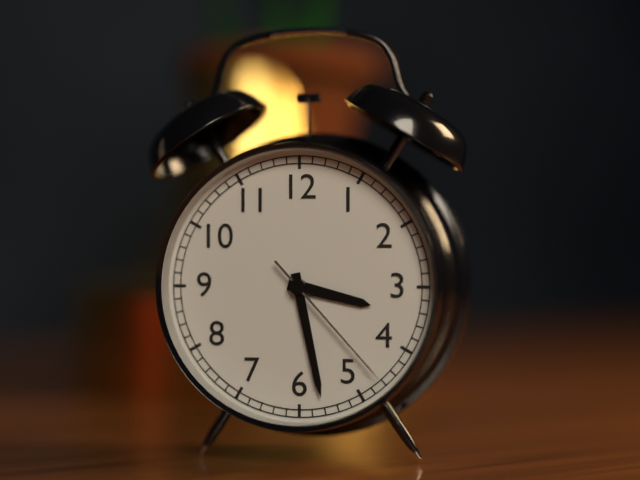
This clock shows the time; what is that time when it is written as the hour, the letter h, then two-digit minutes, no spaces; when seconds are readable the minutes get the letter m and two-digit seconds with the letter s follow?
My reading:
3h28m23s
